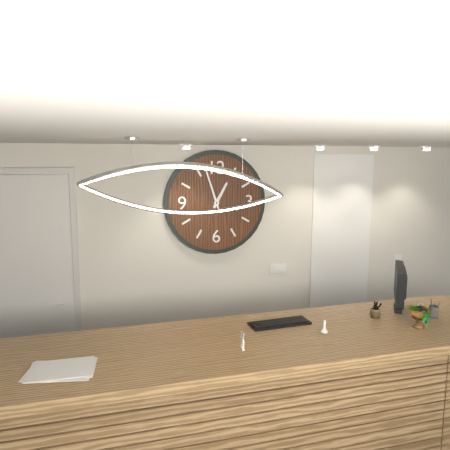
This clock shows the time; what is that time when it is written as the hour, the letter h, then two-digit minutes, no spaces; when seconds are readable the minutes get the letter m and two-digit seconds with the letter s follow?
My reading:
12h57
